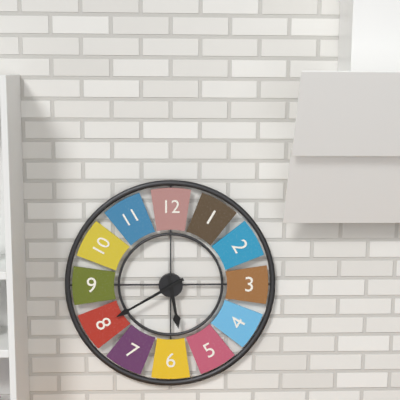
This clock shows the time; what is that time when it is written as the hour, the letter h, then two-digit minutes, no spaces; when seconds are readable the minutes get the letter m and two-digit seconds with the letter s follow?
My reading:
5h40
